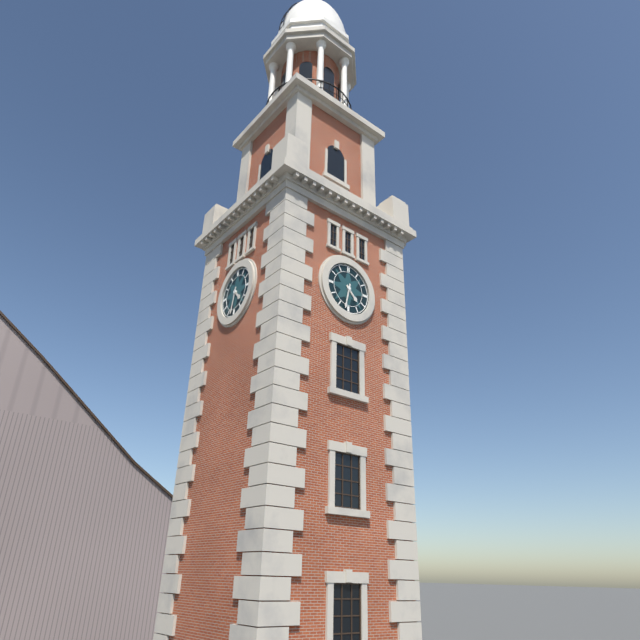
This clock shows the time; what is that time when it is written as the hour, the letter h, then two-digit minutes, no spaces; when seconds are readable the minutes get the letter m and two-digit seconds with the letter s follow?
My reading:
4h32
